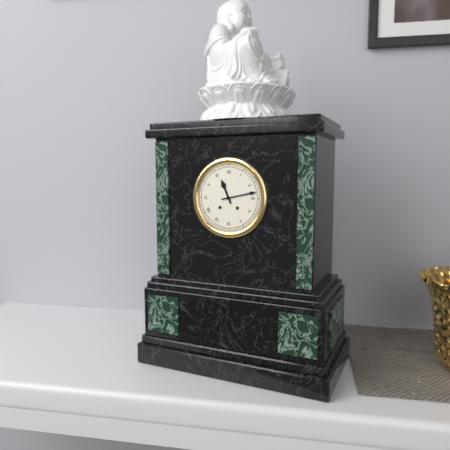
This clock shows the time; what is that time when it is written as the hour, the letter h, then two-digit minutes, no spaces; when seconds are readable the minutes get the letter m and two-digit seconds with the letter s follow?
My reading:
11h13
